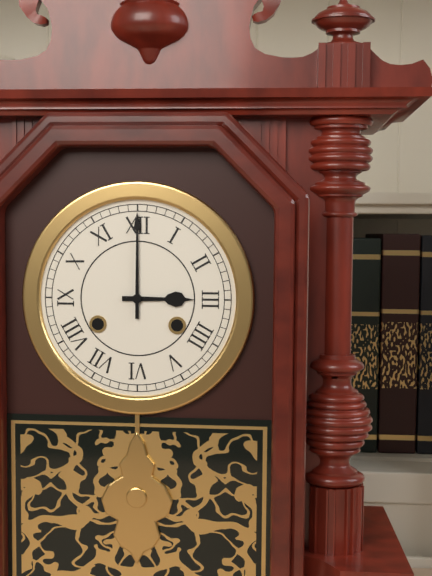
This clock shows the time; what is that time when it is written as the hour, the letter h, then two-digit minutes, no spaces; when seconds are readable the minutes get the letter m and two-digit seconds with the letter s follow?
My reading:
3h00
